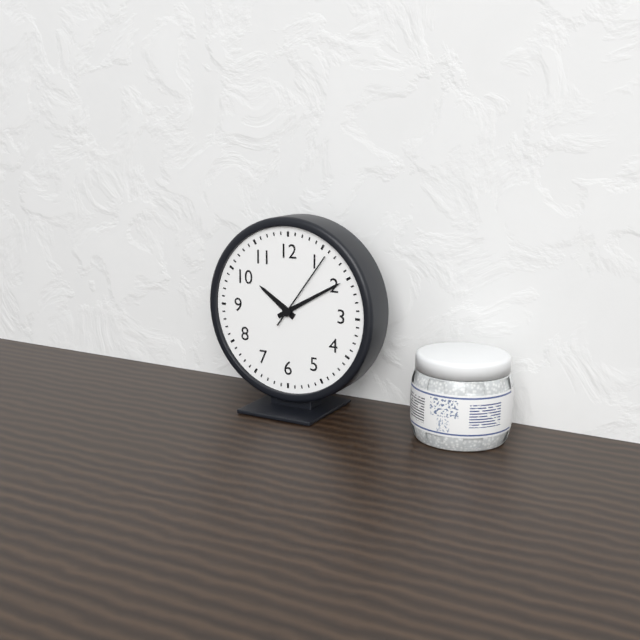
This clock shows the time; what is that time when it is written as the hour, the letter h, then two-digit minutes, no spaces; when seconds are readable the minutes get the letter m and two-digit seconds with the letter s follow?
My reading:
10h10m06s
